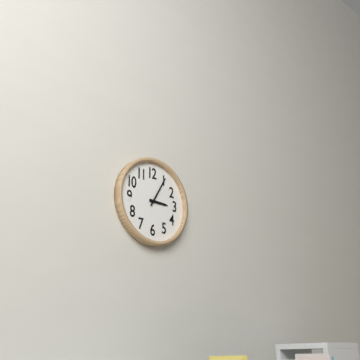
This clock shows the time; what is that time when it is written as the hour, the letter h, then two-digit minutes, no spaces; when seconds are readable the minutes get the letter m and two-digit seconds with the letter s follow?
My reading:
3h05
